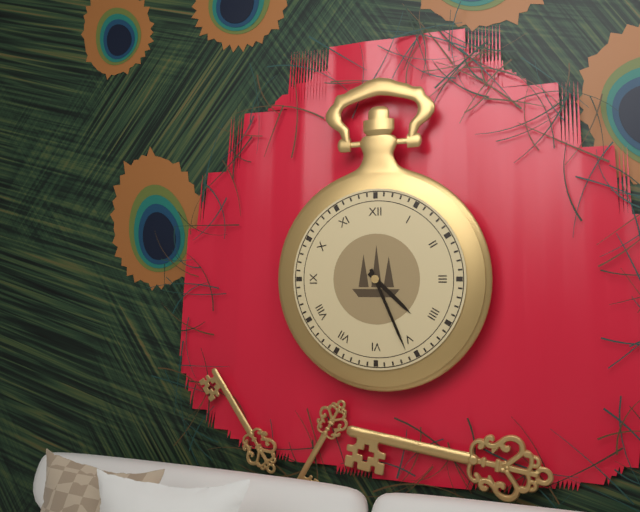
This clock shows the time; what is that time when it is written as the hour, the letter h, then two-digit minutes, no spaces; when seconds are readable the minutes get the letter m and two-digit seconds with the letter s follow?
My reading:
4h26
